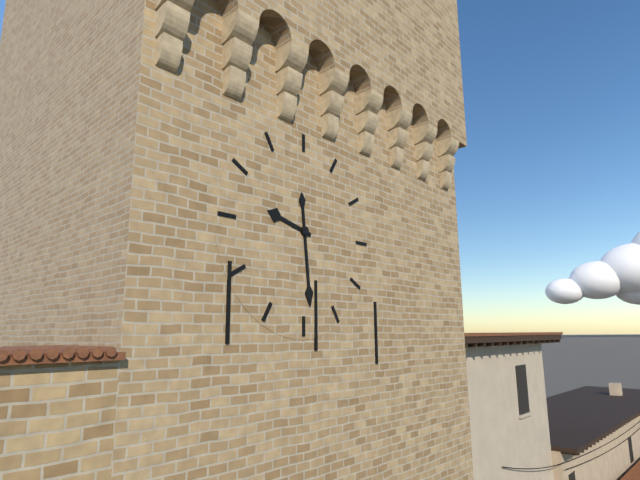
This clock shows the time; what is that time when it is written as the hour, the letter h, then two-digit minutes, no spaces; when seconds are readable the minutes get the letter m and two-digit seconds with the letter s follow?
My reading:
9h29
